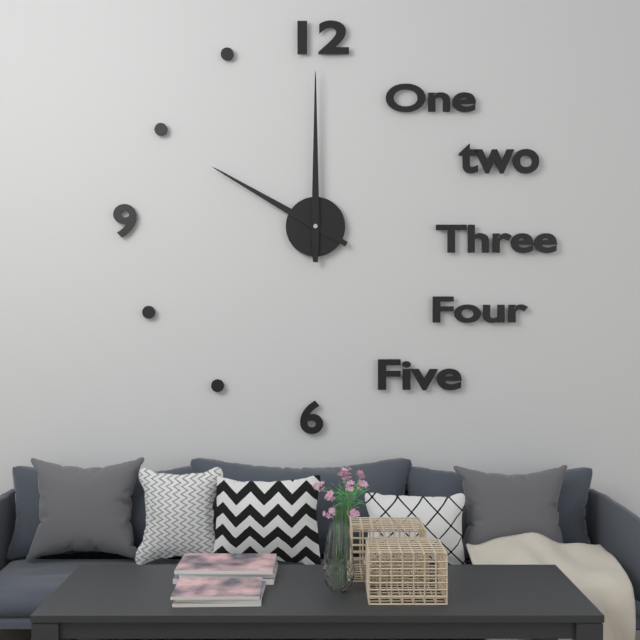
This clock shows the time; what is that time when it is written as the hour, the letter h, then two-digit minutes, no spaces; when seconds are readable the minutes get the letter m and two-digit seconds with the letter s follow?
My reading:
10h00
